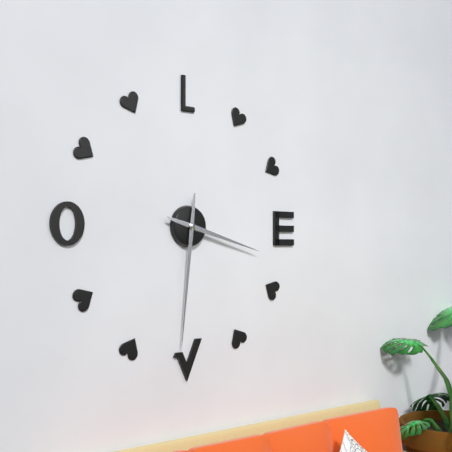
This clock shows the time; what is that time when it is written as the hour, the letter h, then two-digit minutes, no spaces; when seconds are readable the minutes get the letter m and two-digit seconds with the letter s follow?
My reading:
3h31
